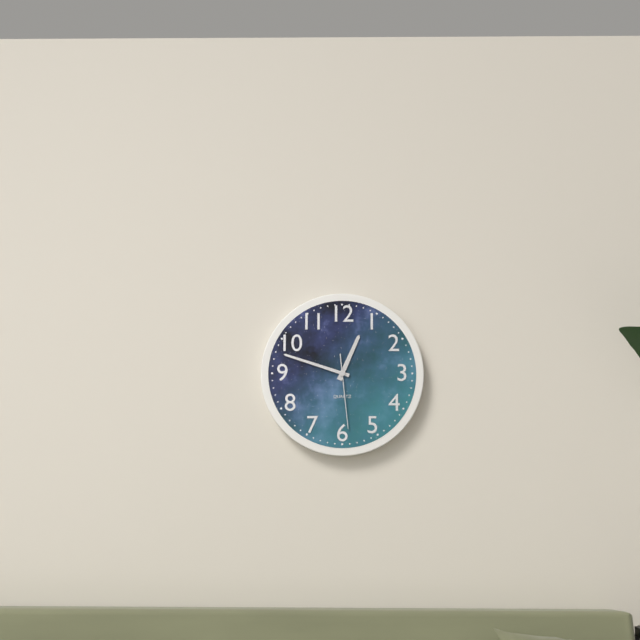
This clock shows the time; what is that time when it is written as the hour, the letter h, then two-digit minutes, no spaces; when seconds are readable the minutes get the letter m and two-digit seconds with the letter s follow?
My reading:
12h48m29s
